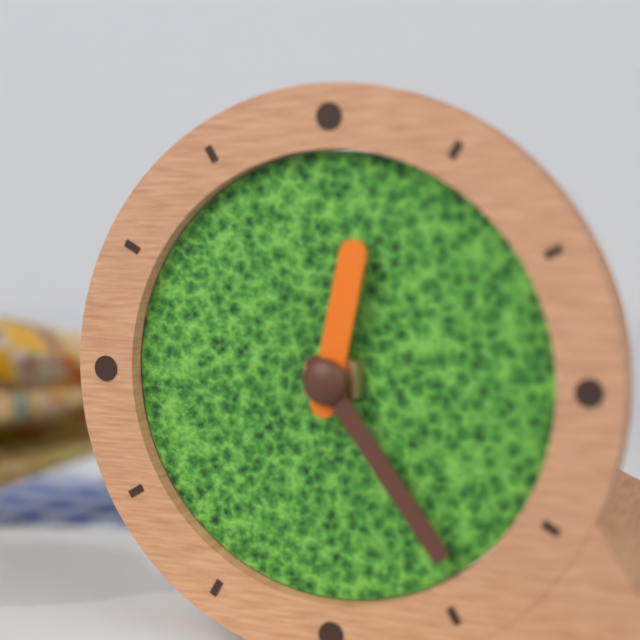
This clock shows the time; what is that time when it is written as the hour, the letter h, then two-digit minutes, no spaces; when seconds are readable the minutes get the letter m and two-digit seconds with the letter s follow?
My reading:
12h24
